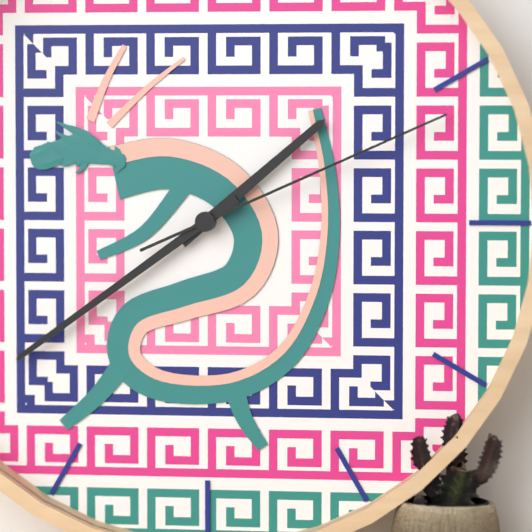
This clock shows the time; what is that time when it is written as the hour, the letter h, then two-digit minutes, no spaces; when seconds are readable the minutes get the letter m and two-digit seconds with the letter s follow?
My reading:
1h39m11s
